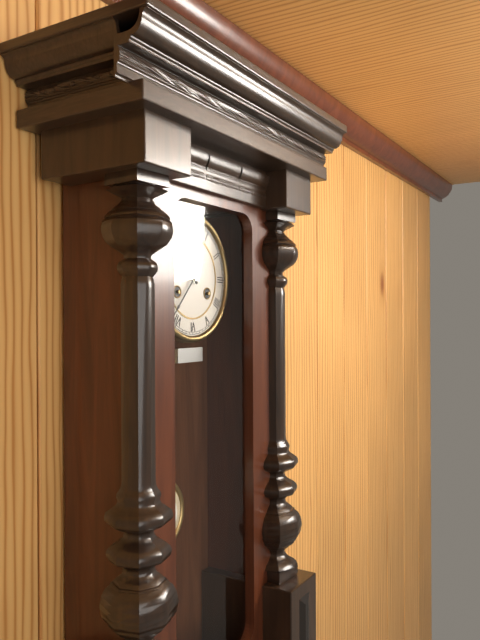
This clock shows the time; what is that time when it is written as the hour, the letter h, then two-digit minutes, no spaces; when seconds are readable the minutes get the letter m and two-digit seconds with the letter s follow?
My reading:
10h37
